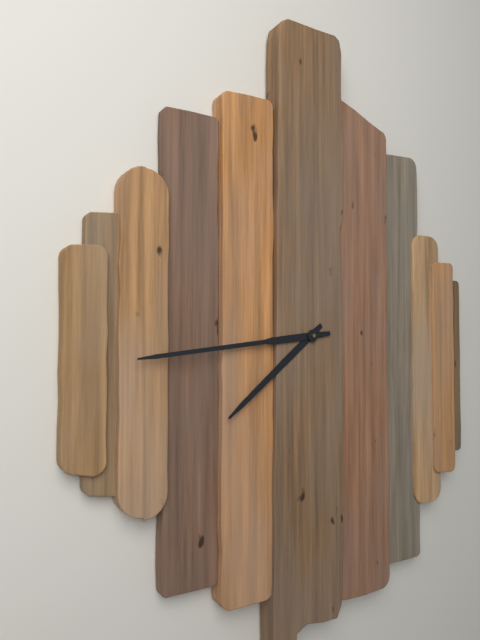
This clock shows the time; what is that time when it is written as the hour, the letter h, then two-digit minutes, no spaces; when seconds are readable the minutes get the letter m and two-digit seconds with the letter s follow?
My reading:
7h44
